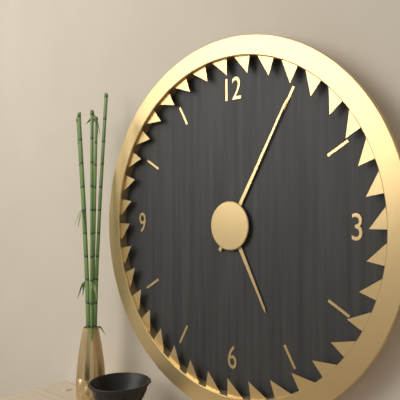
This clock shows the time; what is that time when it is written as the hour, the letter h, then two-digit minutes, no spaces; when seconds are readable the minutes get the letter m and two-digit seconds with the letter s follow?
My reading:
5h05
